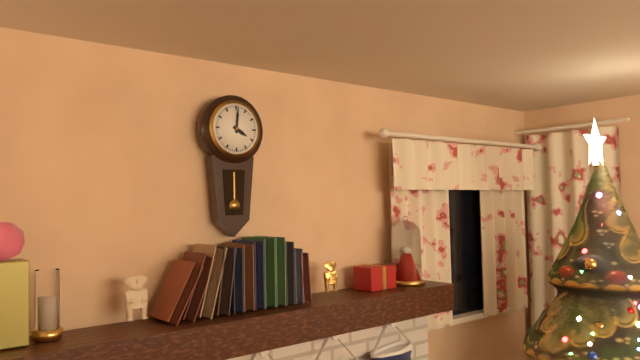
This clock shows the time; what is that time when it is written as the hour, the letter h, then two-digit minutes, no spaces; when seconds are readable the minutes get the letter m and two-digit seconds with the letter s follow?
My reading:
4h01
